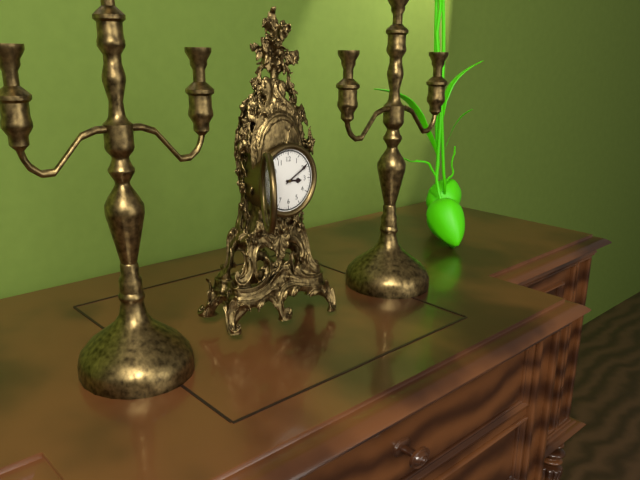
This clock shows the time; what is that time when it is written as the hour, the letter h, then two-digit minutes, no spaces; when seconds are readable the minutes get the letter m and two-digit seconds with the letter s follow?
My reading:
3h10
